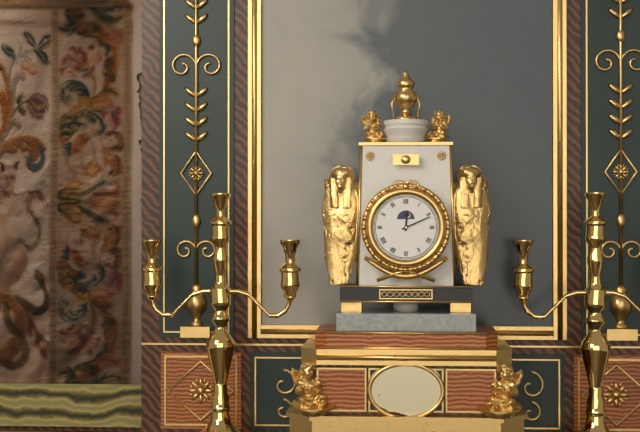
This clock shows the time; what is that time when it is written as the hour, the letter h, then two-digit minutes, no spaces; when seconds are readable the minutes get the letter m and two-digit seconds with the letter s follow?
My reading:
12h11
